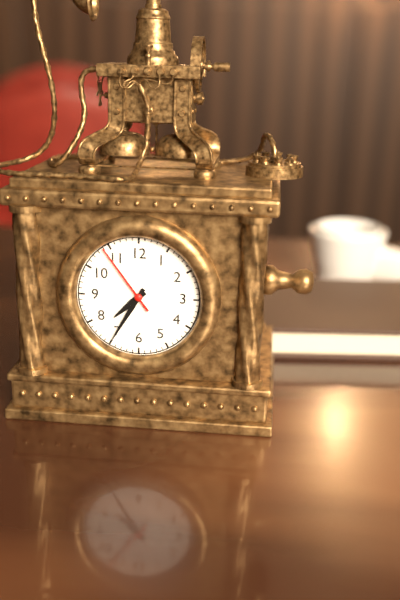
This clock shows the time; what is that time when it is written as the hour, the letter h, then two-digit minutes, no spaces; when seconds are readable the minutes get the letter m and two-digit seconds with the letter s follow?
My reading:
7h35m54s
